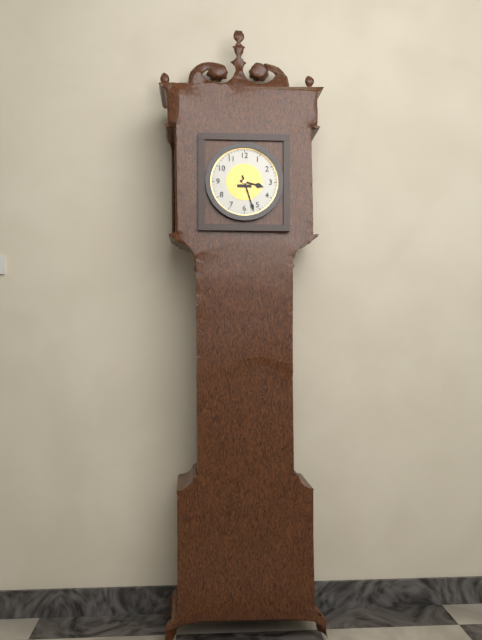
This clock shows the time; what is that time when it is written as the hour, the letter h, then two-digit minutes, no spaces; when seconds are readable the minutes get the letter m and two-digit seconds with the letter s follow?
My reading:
3h27
